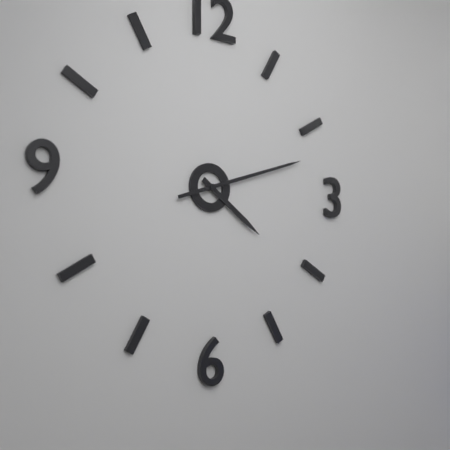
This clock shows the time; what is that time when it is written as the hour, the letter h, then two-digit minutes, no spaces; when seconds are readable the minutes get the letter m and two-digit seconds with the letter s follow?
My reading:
4h12
